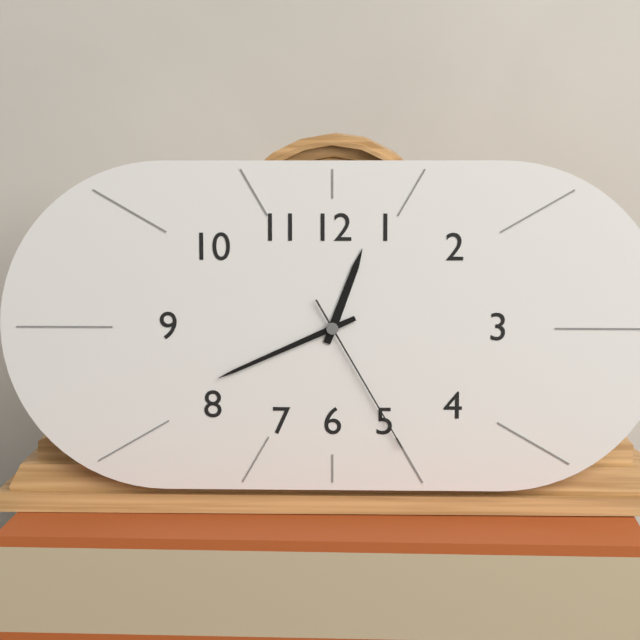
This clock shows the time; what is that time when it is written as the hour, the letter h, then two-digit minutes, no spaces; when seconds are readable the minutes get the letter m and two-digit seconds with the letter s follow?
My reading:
12h41m25s
